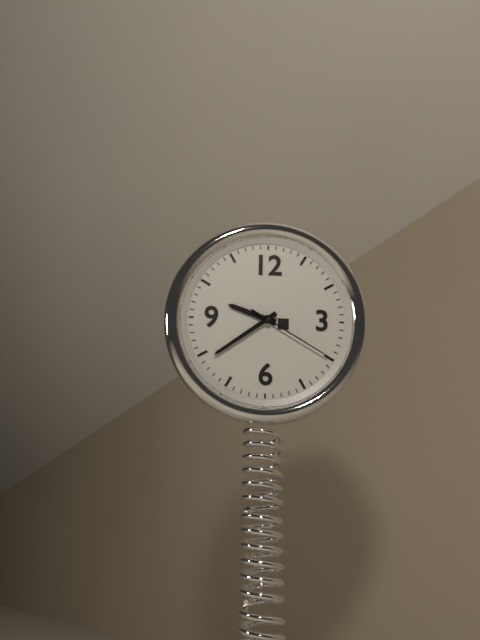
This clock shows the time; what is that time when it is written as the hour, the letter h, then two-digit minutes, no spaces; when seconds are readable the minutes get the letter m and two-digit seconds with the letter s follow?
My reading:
9h39m20s
